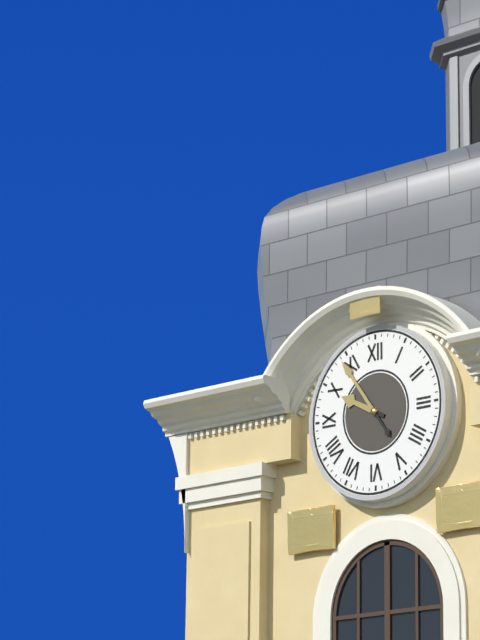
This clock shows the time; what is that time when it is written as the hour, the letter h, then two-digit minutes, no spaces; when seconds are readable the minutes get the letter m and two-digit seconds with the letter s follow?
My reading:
9h54
